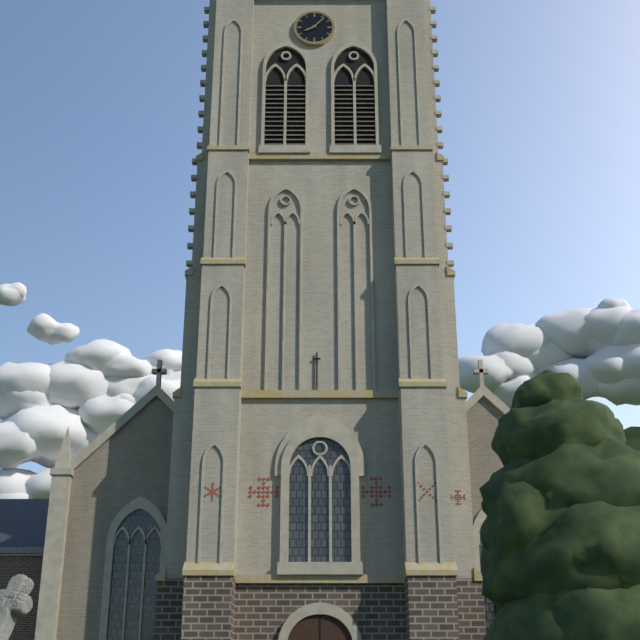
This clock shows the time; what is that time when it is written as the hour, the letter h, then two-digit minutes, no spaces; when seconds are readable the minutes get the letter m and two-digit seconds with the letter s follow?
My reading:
8h07
